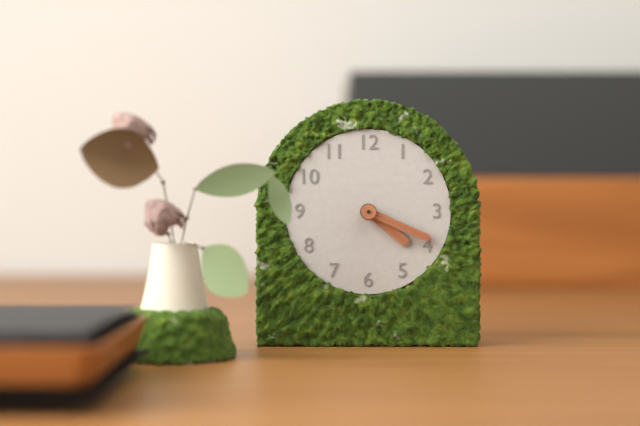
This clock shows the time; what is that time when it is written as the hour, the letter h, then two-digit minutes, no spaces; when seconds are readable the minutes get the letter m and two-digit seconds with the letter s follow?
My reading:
4h19
